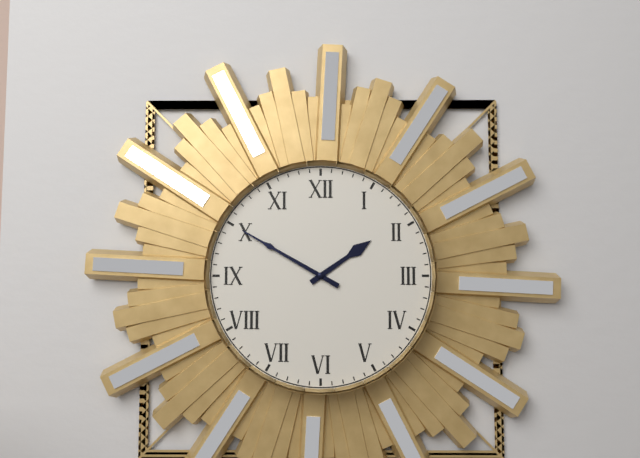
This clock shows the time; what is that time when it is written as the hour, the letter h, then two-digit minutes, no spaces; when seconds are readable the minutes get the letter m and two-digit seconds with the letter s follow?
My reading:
1h50
